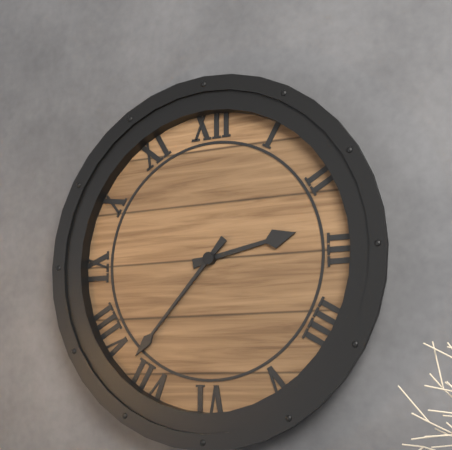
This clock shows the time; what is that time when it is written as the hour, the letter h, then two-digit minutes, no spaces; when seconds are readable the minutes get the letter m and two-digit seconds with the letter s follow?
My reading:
2h37
